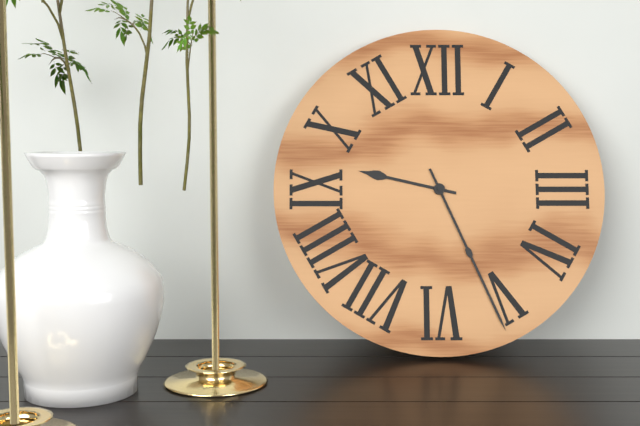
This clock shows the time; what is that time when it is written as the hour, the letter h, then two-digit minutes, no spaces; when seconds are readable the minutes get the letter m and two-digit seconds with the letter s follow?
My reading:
9h26
